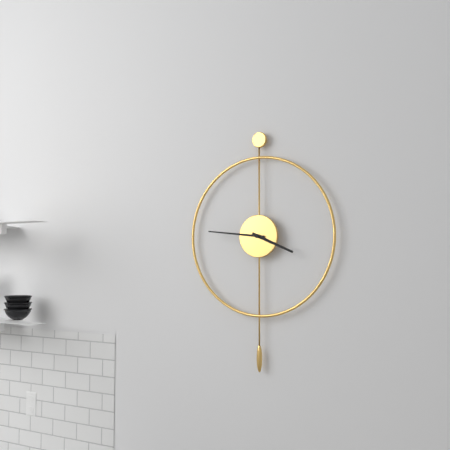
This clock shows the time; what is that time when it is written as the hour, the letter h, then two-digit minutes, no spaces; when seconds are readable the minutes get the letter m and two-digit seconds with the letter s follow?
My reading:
3h46
